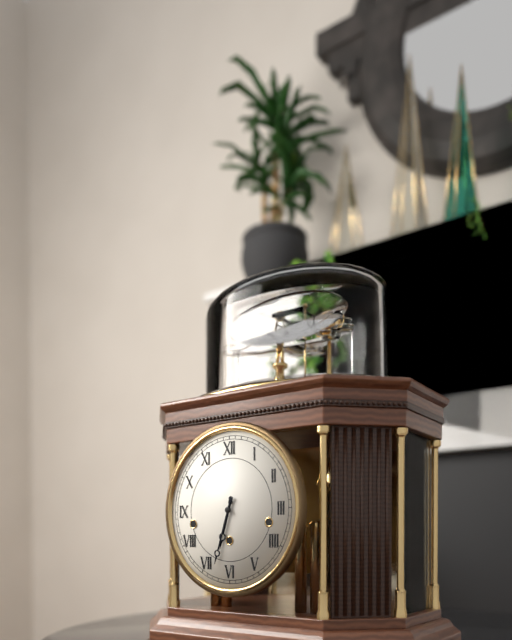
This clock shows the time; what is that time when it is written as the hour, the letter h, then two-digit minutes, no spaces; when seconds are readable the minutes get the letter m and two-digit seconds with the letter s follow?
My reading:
6h33
